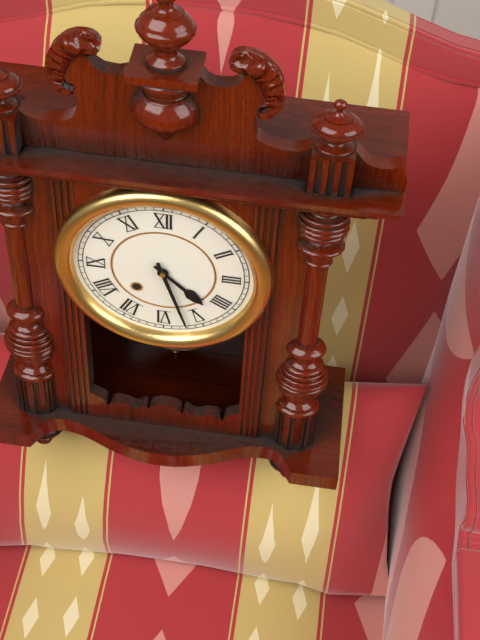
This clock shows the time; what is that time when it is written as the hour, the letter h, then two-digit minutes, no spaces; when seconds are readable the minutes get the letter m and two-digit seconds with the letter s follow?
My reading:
4h27
